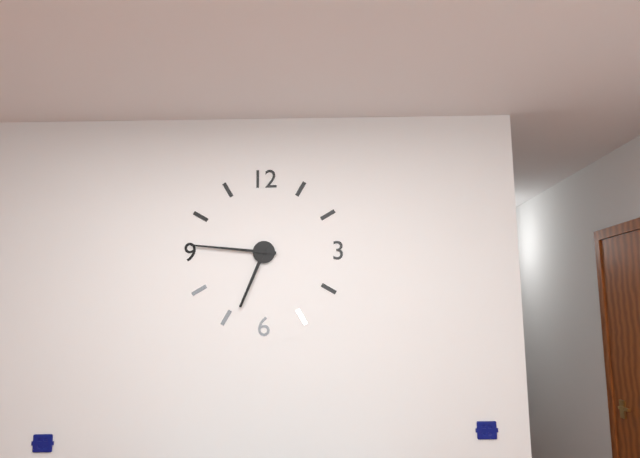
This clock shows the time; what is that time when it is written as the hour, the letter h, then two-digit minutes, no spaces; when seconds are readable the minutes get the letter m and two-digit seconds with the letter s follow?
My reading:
6h46
